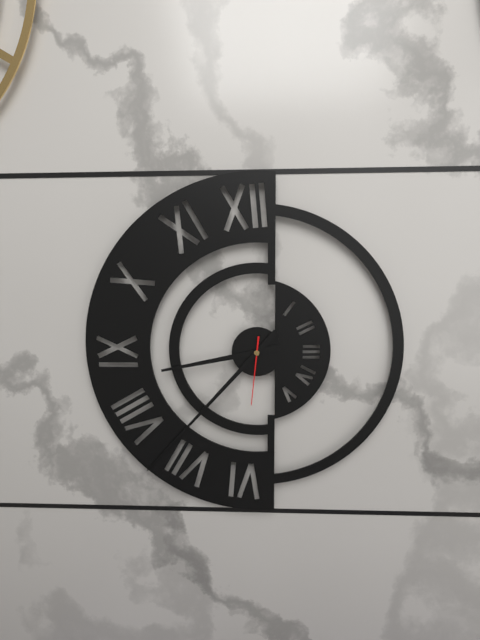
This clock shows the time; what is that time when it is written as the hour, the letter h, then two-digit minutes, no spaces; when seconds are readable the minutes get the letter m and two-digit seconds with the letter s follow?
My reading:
8h37m31s
